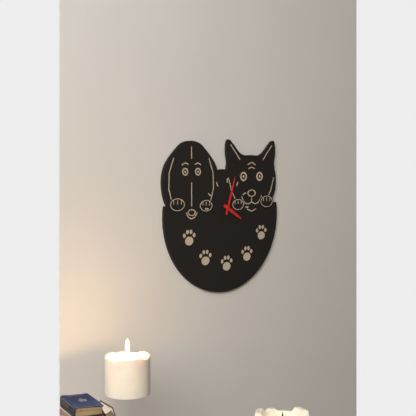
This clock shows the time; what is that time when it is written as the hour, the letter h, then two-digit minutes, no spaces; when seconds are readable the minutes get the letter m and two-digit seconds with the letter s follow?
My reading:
4h03
